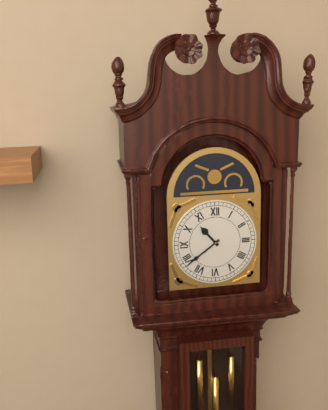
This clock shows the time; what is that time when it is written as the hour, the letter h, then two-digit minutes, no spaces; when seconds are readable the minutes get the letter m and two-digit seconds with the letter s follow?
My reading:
10h39
